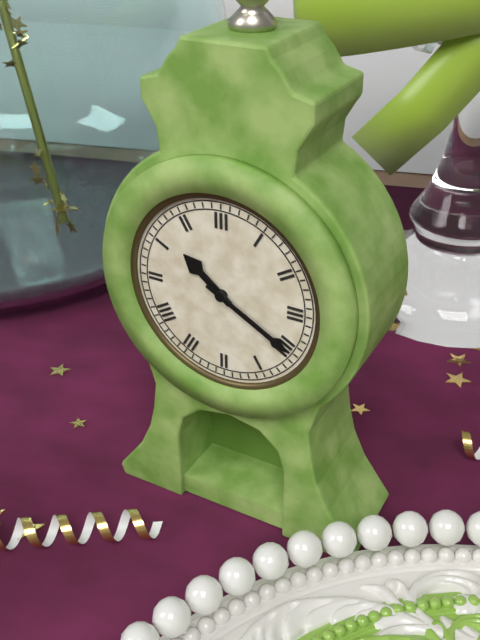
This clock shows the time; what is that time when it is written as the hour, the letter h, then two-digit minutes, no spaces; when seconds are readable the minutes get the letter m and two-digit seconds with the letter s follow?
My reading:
10h20
